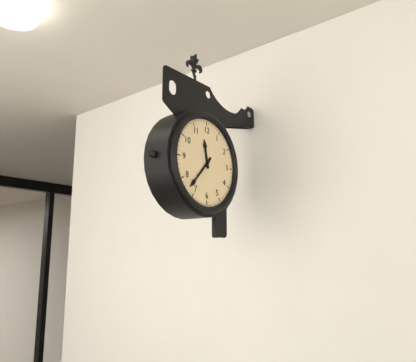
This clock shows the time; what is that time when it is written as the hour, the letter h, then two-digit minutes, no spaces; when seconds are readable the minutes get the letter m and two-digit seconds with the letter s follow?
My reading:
11h37
